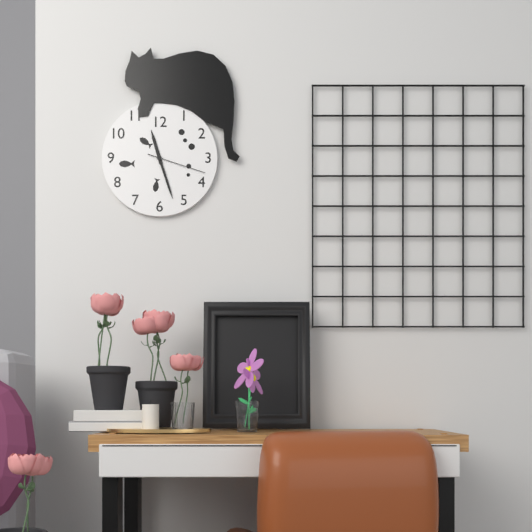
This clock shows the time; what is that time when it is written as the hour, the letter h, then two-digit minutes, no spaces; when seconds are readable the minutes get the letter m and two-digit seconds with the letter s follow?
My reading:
11h27m18s
